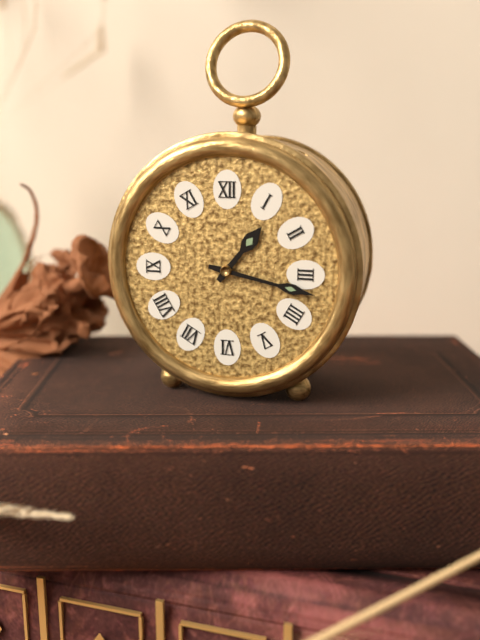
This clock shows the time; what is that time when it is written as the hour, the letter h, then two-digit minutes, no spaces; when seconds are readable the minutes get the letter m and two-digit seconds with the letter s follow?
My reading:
1h17
